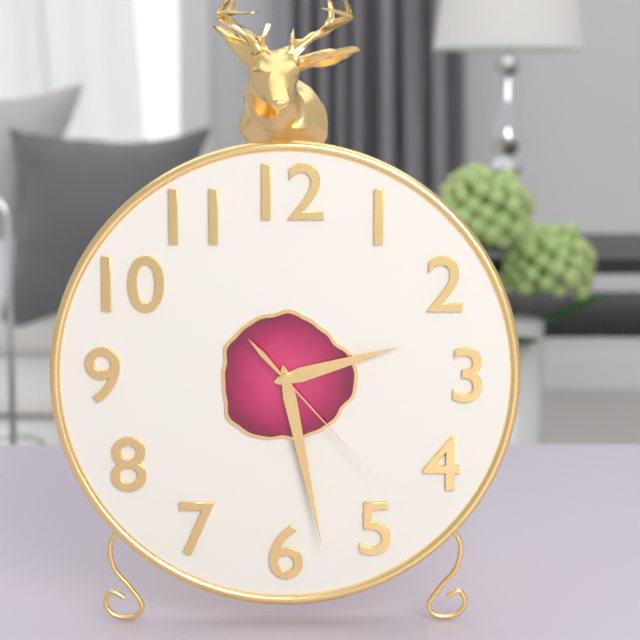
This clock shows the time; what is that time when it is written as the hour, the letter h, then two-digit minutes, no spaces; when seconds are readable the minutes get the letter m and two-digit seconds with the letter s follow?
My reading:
2h28m23s
